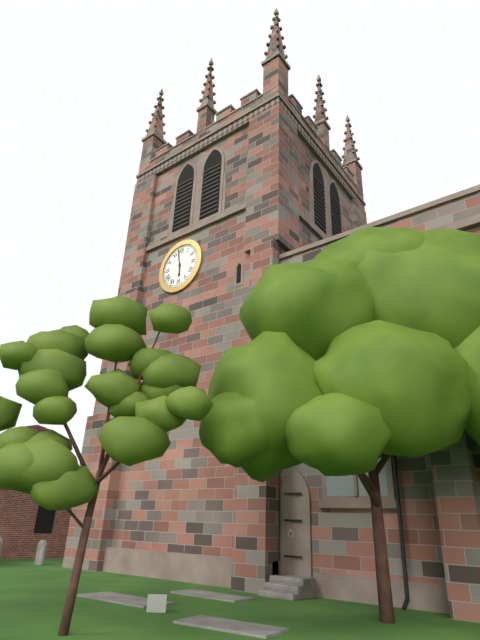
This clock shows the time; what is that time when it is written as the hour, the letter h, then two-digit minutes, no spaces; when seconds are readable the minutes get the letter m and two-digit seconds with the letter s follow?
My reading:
5h58
